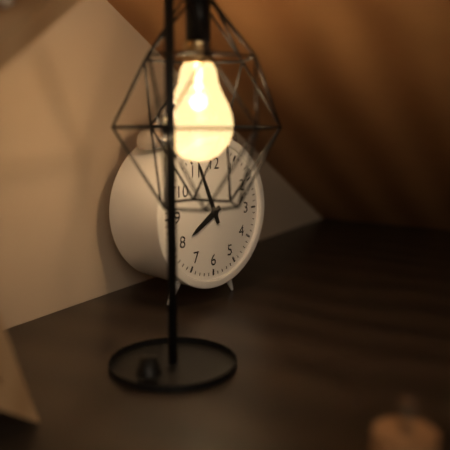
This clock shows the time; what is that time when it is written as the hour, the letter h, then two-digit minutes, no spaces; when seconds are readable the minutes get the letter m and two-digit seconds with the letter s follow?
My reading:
7h56
